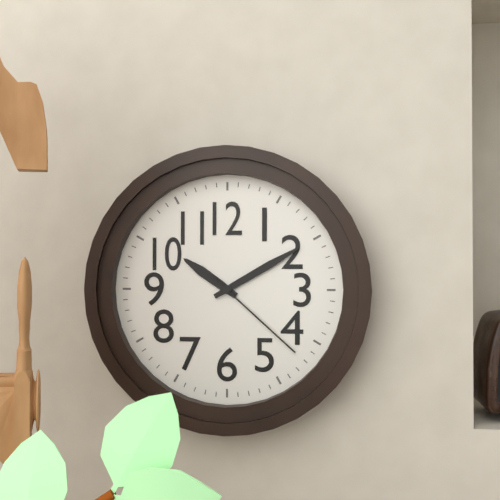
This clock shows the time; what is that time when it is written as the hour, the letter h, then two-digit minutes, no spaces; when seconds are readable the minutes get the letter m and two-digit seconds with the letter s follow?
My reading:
10h10m22s
